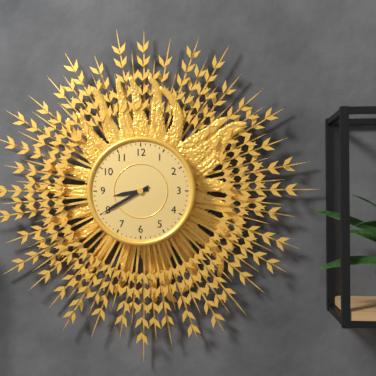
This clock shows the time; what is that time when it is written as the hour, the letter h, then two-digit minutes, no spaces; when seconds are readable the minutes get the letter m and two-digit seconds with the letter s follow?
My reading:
8h40
